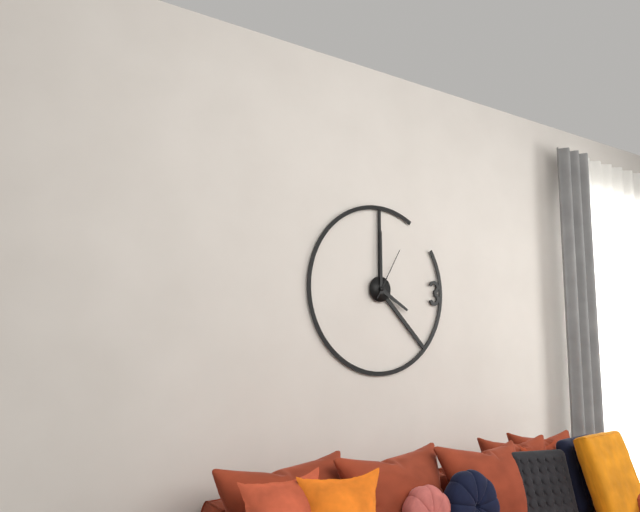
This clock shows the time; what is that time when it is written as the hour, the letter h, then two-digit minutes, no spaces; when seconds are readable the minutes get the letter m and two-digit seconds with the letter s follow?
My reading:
4h00m05s
